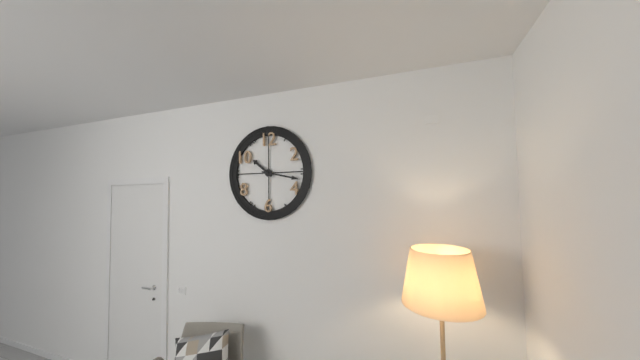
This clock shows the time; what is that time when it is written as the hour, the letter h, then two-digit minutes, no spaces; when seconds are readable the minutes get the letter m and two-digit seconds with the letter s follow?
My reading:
10h17
